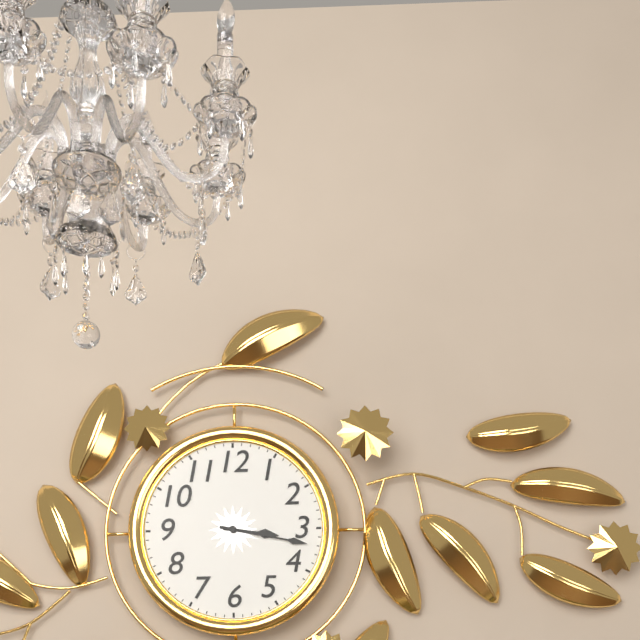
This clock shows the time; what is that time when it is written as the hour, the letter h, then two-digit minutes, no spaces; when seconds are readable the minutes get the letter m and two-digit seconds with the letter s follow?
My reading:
3h17
